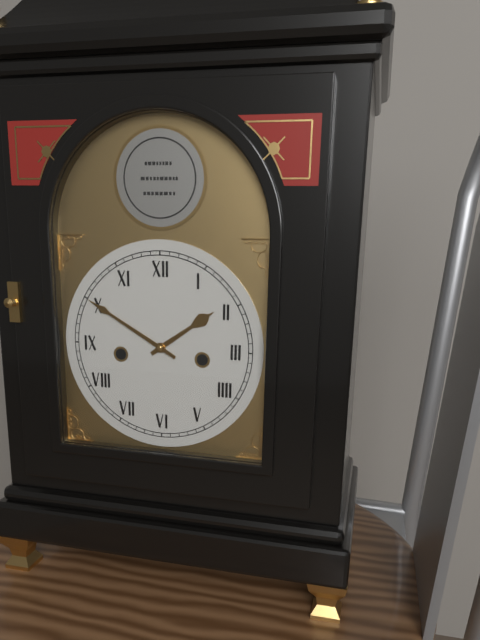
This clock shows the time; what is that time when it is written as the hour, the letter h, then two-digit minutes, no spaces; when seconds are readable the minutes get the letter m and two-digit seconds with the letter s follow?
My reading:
1h50
